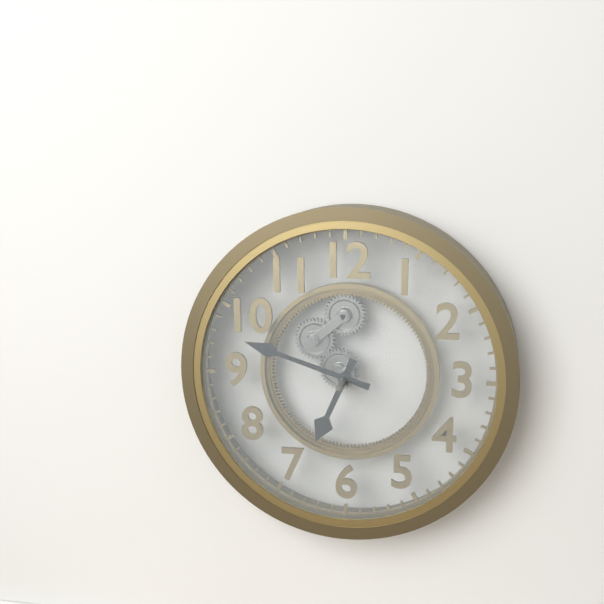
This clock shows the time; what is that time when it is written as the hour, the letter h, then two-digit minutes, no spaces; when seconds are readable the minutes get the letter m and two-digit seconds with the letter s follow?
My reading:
6h48
